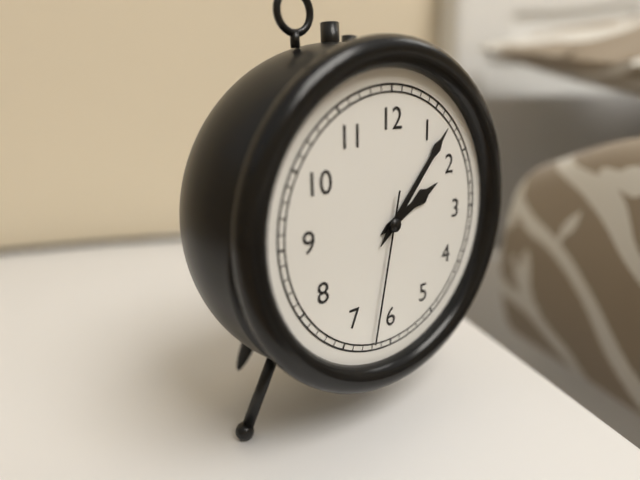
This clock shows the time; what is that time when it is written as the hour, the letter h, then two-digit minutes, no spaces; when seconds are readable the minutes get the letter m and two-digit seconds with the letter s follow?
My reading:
2h07m32s
